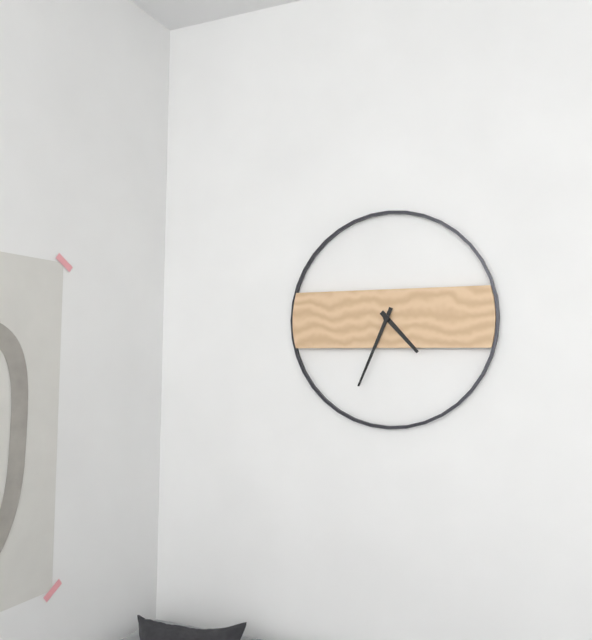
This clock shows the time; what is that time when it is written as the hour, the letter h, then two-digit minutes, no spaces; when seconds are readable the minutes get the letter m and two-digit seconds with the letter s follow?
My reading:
4h34
